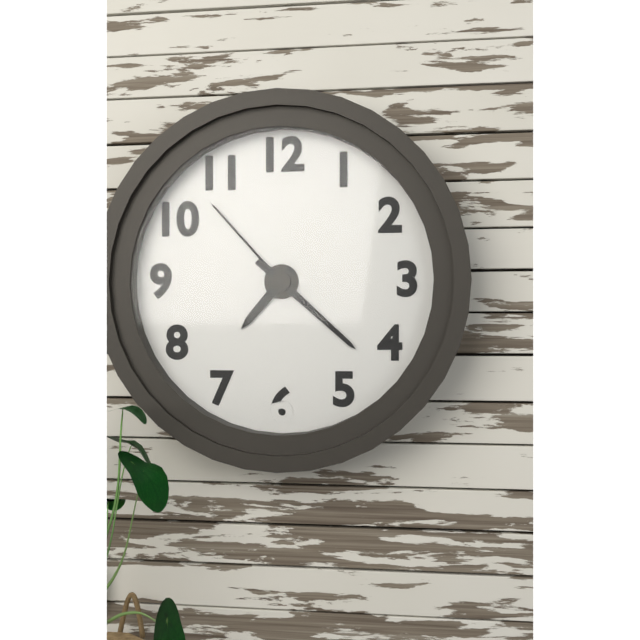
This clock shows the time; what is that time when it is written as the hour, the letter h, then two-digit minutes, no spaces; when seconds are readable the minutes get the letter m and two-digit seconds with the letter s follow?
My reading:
7h22m53s
